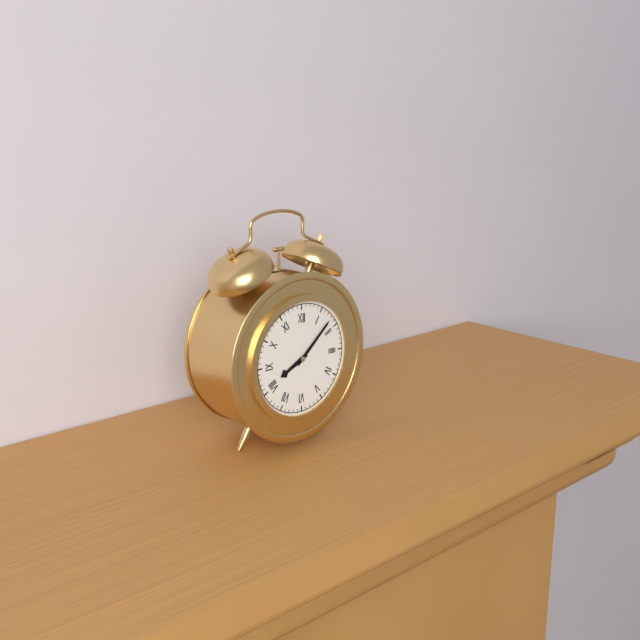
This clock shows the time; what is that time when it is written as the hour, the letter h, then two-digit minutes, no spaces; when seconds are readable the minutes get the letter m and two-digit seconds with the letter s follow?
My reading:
8h08
